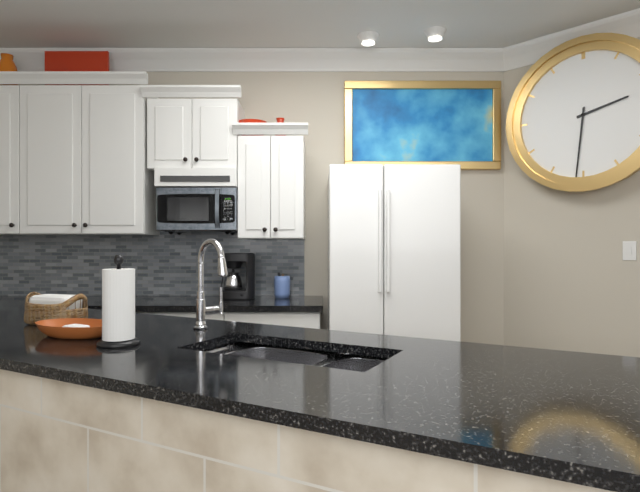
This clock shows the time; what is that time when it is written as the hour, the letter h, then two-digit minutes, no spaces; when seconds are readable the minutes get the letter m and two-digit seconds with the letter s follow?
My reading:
2h31
